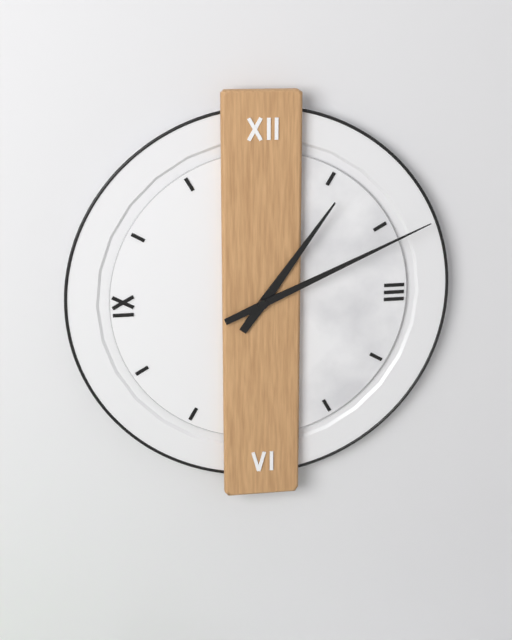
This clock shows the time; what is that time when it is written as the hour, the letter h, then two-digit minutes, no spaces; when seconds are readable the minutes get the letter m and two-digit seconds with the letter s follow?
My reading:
1h11
